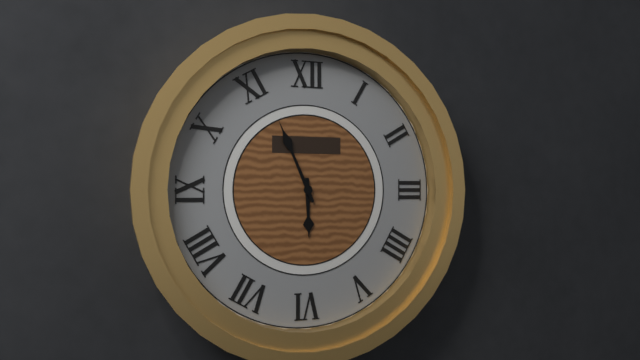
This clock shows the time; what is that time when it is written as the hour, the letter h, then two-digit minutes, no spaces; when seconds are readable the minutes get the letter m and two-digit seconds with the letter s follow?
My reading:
5h56
